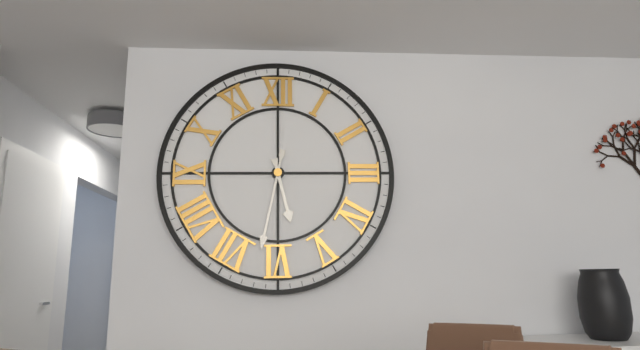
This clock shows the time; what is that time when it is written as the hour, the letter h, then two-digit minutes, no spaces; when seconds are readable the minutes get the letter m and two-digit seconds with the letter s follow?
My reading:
5h32
